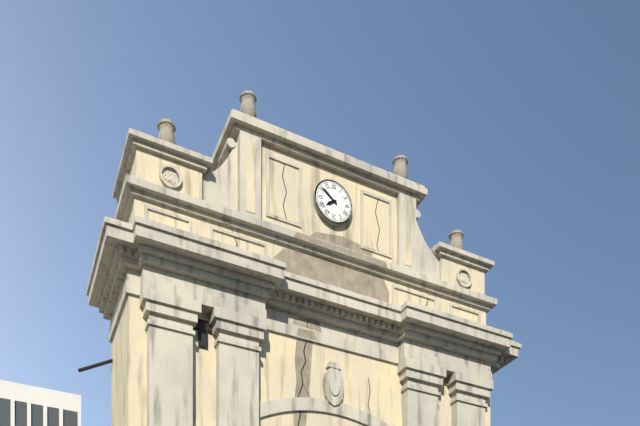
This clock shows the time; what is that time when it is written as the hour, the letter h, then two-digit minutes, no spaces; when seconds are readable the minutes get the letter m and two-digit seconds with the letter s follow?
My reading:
7h51
